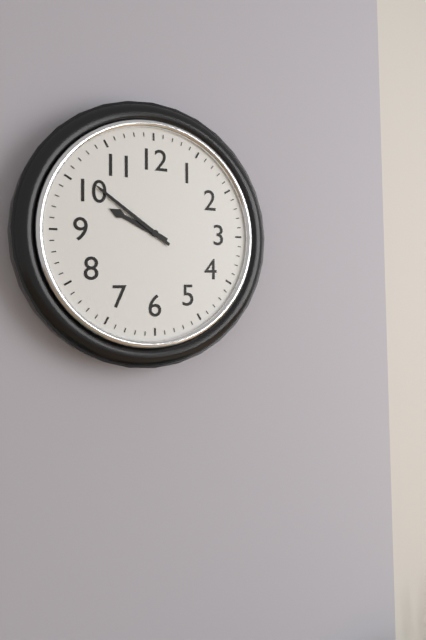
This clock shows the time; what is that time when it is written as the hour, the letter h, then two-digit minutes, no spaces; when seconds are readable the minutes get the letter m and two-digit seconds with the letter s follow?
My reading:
9h51
